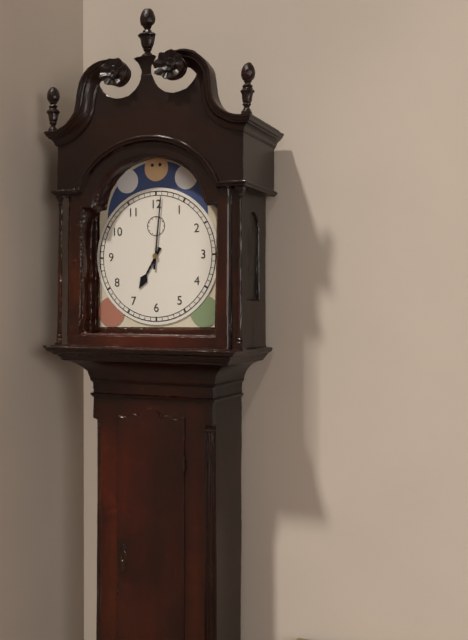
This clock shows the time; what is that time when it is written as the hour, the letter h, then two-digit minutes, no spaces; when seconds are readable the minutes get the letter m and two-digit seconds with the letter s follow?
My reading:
7h01
